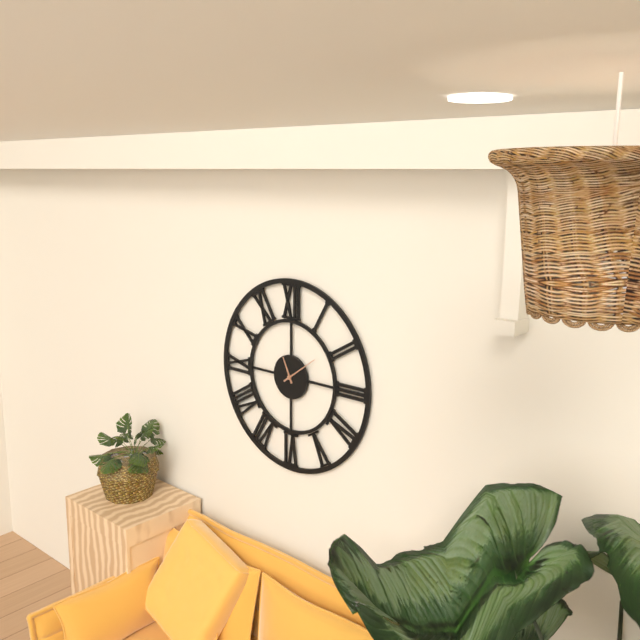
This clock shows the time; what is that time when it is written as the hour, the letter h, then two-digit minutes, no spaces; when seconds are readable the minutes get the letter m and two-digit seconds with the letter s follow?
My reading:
11h09
